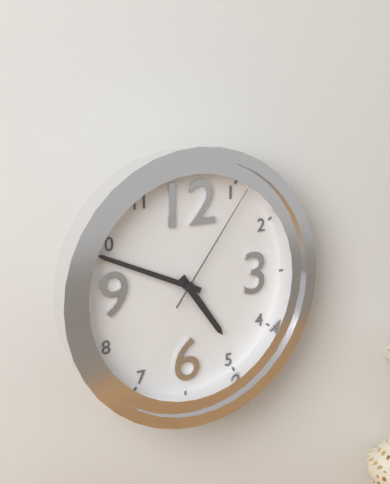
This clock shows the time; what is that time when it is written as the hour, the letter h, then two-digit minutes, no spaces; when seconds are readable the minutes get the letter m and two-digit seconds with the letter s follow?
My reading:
4h49m06s
